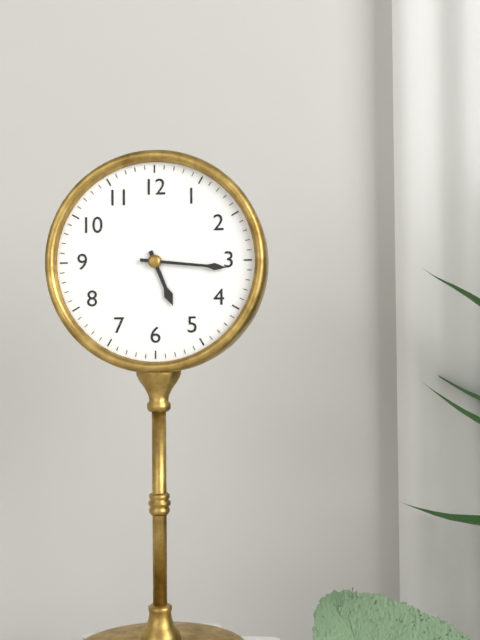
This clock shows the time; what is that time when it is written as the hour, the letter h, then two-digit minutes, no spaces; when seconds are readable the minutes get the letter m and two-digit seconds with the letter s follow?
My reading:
5h16
